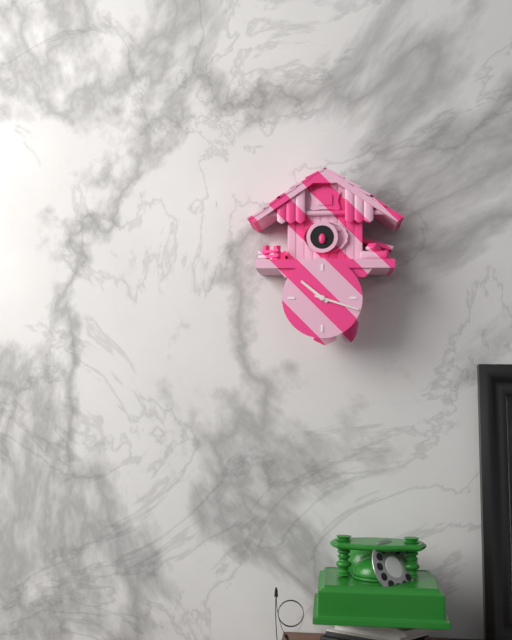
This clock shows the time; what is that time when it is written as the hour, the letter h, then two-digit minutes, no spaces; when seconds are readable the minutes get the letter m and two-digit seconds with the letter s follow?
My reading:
10h18
